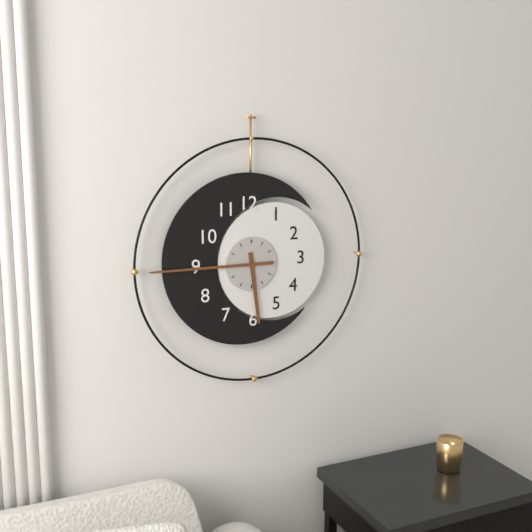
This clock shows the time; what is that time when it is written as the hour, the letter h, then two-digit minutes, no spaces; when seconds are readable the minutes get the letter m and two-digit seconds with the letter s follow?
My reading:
5h45
